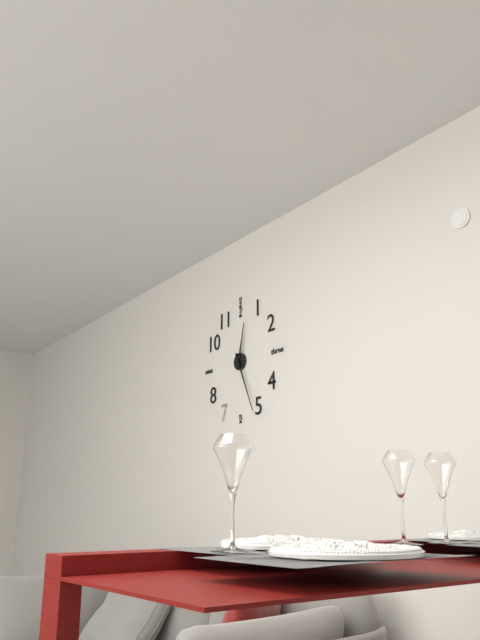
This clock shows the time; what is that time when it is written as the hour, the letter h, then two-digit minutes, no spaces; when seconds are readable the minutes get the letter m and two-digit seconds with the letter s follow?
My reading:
12h26
